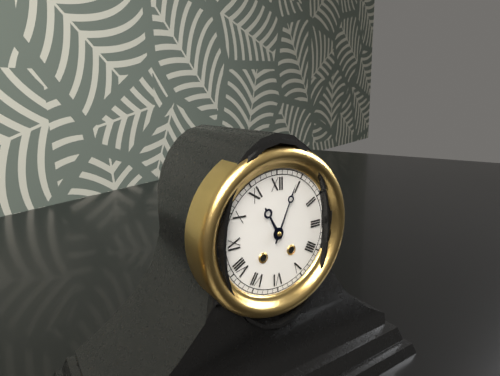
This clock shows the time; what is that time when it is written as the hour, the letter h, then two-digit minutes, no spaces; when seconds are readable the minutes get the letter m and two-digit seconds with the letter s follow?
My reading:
11h04
